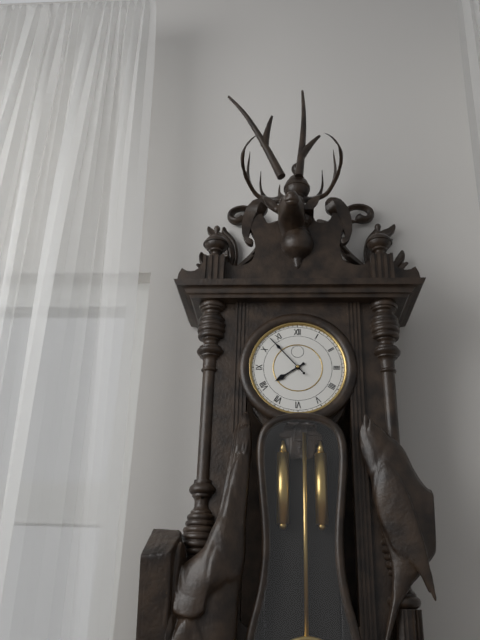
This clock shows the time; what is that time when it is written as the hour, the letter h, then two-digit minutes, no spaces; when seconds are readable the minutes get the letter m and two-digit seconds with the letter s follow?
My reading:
7h53
